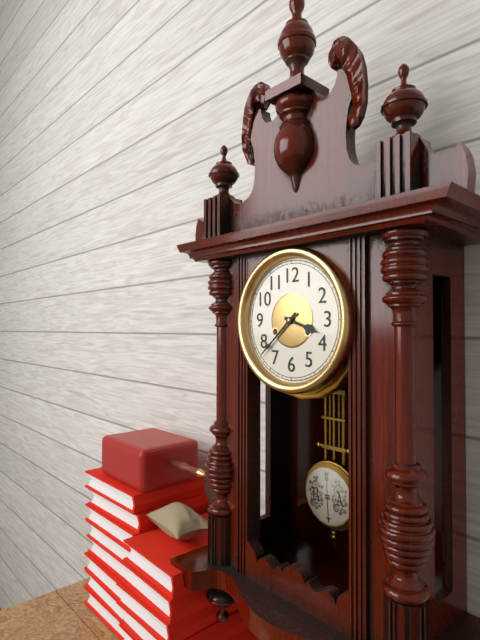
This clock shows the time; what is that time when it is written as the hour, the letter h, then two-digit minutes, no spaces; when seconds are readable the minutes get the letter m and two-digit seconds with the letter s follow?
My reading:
3h38
